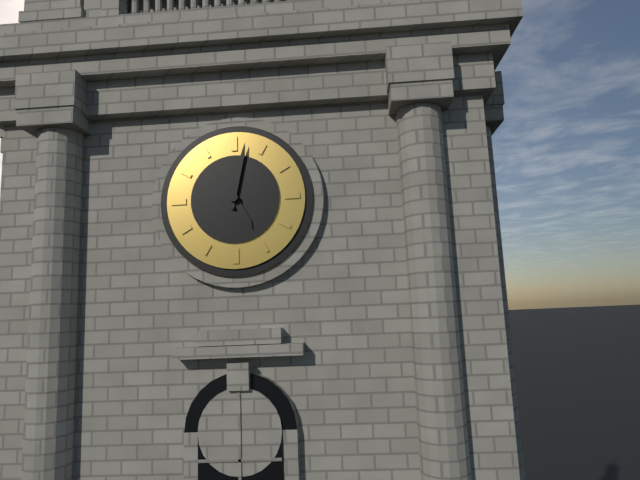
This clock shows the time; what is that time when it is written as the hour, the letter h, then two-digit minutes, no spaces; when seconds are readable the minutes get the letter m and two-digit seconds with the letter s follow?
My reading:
5h02
